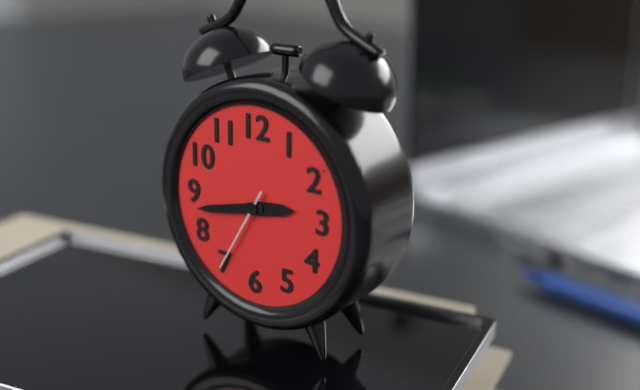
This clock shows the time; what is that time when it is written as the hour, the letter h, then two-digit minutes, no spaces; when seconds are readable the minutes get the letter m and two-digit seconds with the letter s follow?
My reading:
2h43m35s
